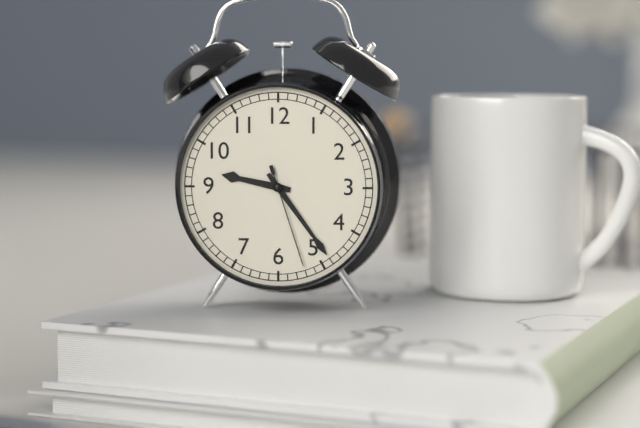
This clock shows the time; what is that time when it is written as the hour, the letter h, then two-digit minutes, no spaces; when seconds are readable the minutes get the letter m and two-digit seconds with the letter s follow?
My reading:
9h24m27s
